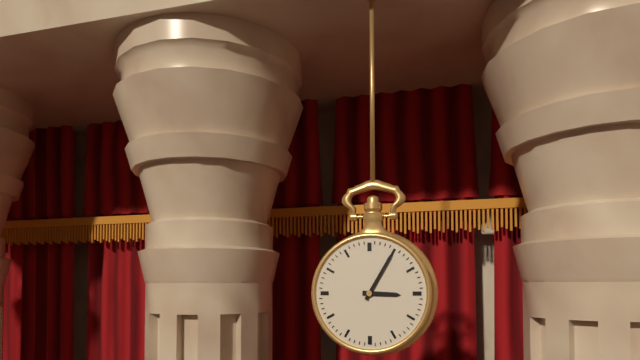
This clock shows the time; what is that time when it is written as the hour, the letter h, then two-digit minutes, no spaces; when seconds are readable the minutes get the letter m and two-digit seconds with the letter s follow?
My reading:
3h05
